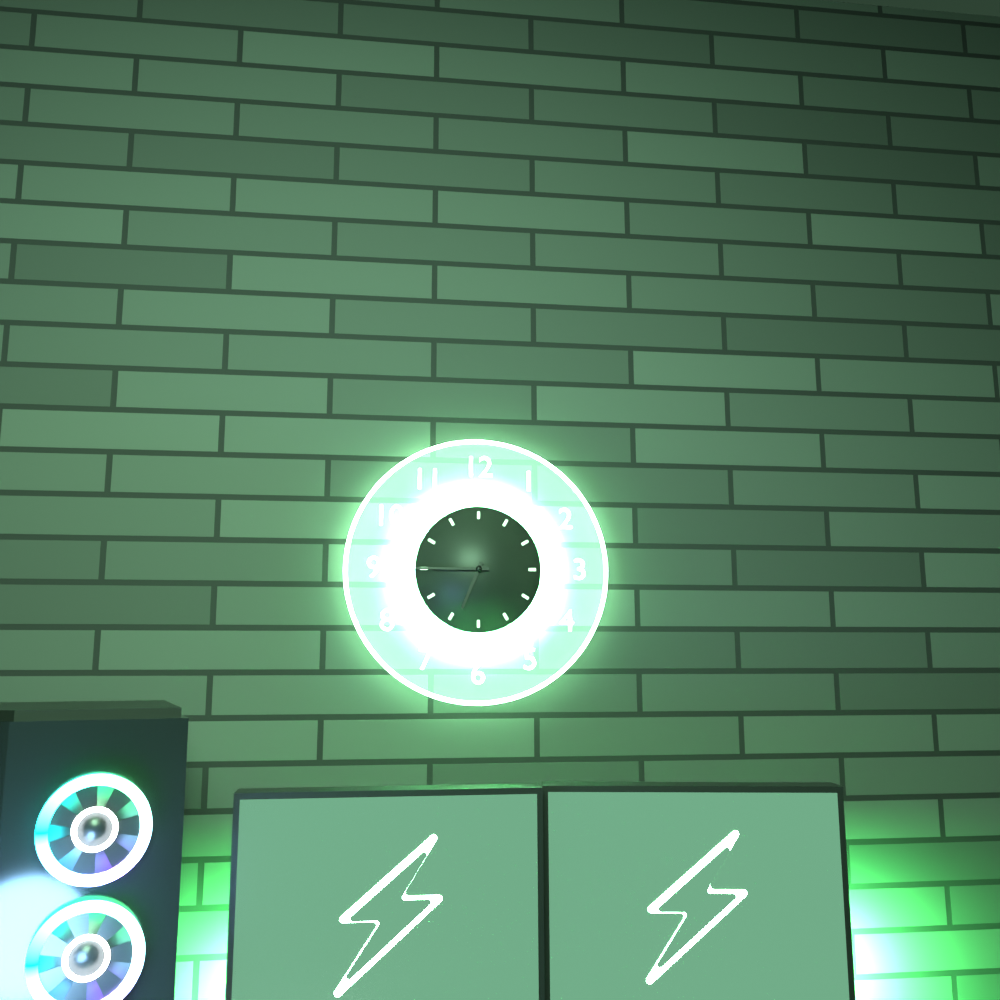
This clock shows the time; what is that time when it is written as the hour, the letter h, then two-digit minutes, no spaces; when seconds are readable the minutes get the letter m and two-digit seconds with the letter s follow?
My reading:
6h45
